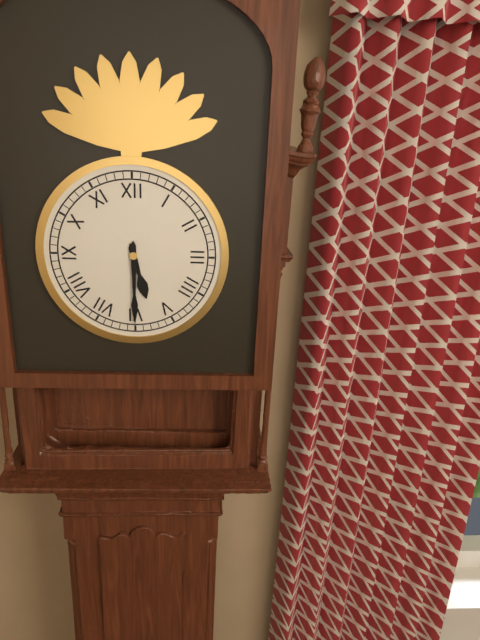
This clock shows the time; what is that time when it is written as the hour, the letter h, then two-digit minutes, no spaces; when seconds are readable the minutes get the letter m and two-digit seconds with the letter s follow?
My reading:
5h30
